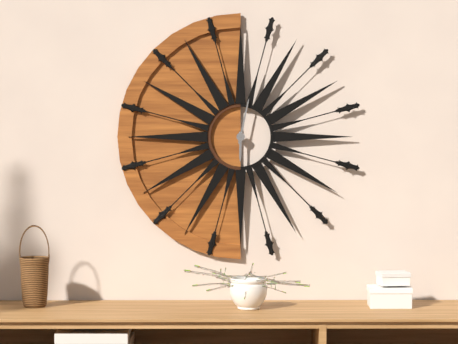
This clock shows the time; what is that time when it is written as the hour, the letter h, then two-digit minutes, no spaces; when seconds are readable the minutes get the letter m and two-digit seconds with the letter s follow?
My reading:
6h02
